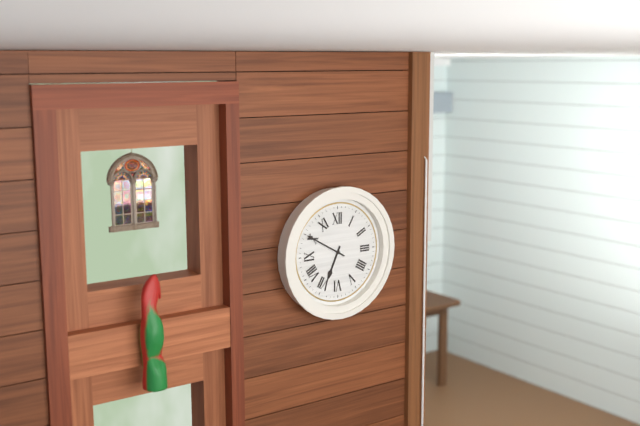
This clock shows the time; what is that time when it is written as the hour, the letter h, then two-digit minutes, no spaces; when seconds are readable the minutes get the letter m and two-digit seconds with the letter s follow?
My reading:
6h50
